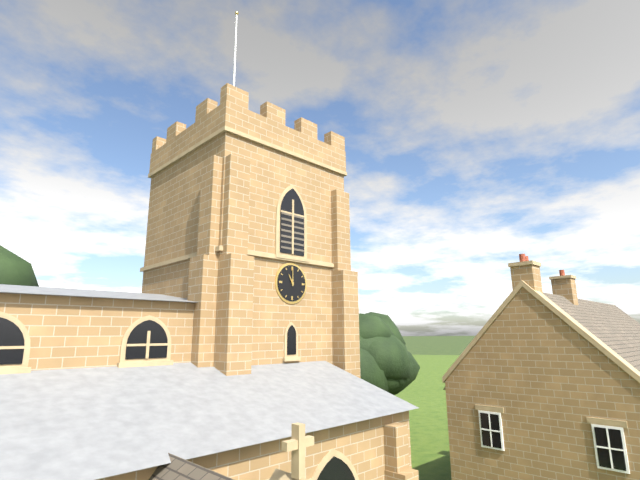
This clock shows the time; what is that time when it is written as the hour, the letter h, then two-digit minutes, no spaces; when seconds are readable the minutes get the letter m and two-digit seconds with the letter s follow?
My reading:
11h00
